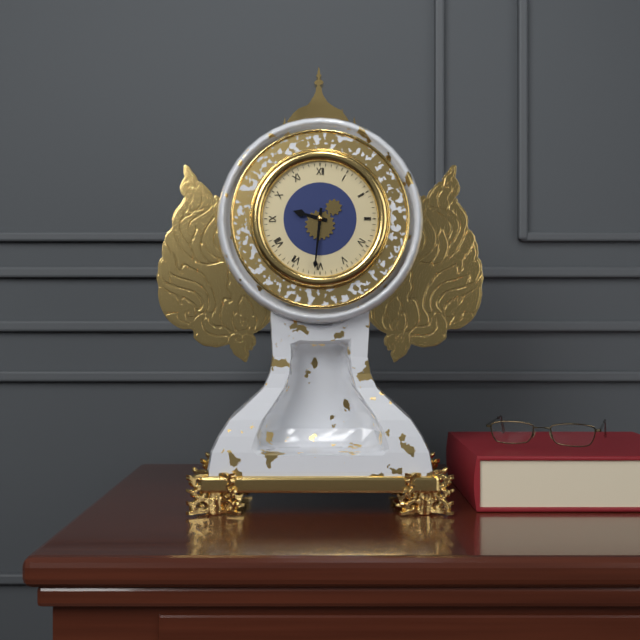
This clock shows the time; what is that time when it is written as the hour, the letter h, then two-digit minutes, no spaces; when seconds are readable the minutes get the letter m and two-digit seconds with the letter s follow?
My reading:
9h31
